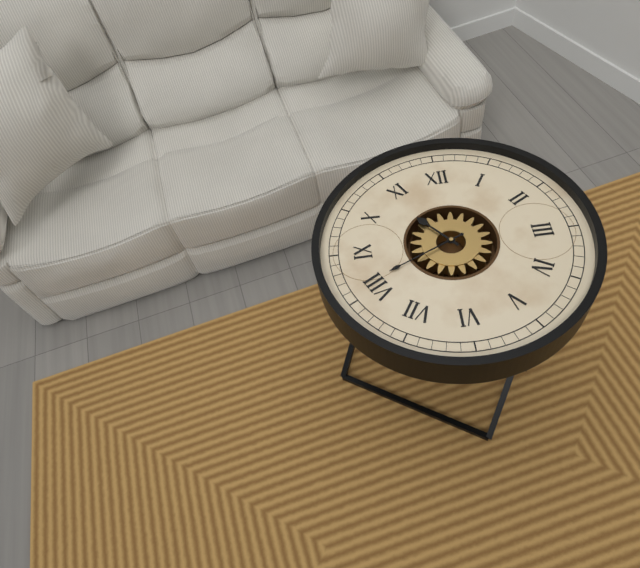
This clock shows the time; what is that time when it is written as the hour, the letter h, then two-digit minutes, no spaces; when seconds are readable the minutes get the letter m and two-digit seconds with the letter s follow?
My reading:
10h41
